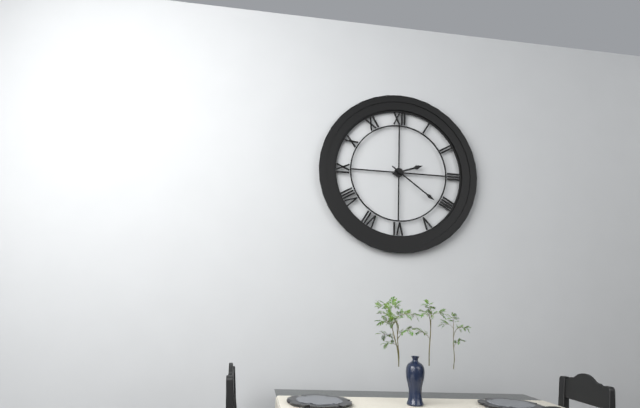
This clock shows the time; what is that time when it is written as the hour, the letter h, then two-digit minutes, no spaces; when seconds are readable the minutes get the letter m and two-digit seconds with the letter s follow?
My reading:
2h21
